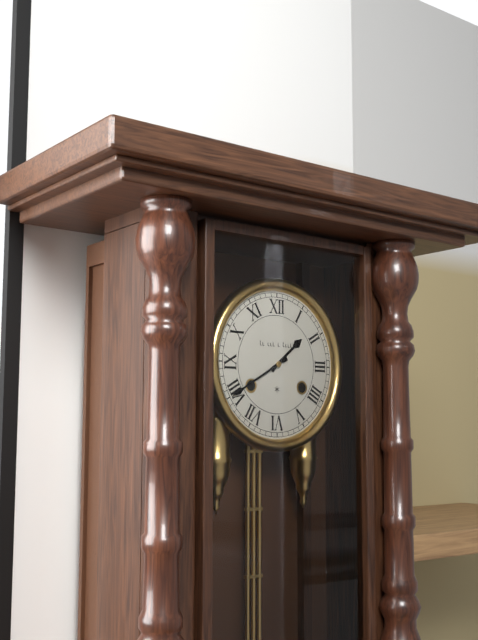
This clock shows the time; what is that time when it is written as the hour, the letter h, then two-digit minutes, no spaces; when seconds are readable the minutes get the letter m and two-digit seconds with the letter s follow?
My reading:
1h40
